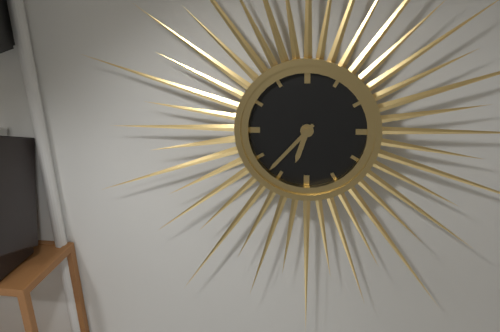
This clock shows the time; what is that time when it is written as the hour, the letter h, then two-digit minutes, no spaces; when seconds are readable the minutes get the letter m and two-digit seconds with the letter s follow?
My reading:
6h37
